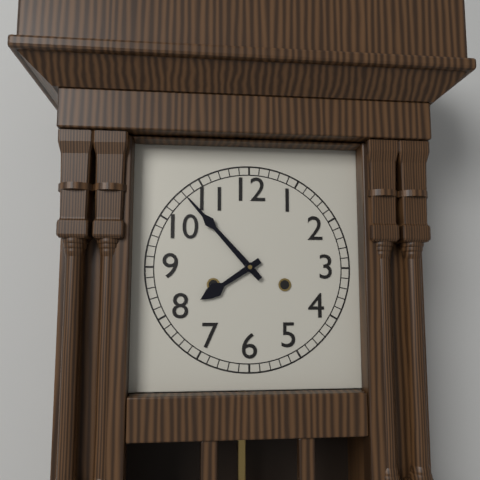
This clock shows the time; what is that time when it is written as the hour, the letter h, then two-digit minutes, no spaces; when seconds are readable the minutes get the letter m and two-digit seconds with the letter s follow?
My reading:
7h53
